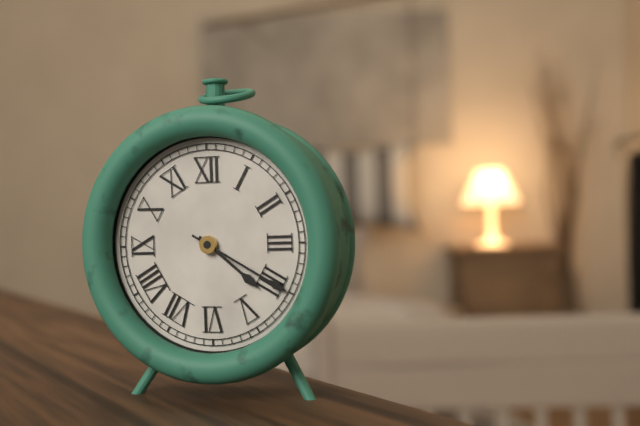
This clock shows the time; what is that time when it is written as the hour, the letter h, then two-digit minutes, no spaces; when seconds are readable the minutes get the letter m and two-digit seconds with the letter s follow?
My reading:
4h20
